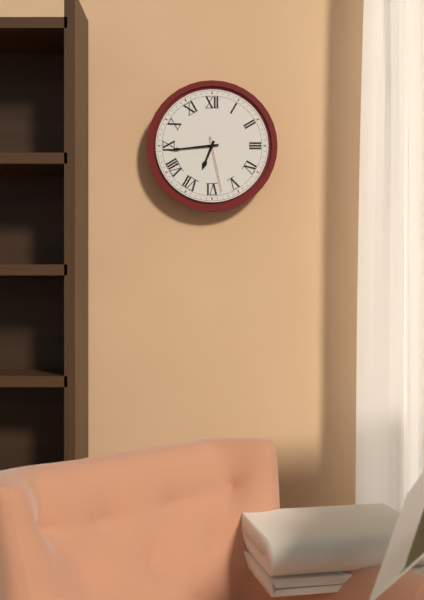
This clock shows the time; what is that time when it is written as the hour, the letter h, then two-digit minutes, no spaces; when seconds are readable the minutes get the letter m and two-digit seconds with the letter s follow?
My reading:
6h44m28s
